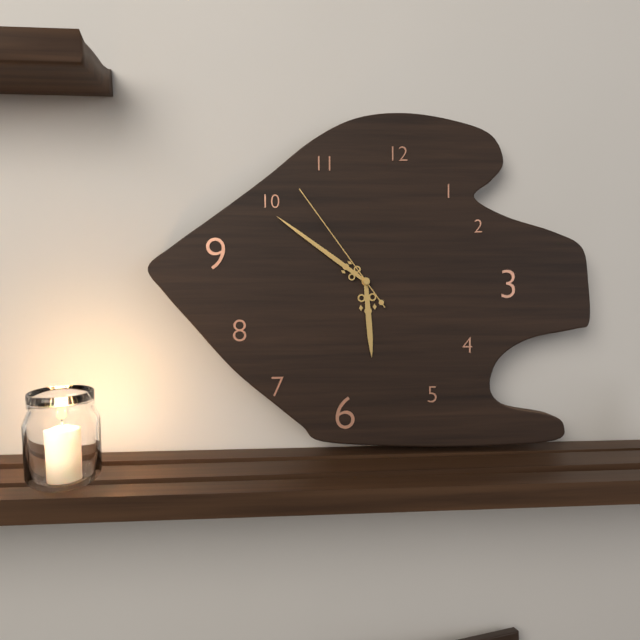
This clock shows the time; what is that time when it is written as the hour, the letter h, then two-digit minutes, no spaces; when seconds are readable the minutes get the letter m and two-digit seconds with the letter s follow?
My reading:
5h51m54s
